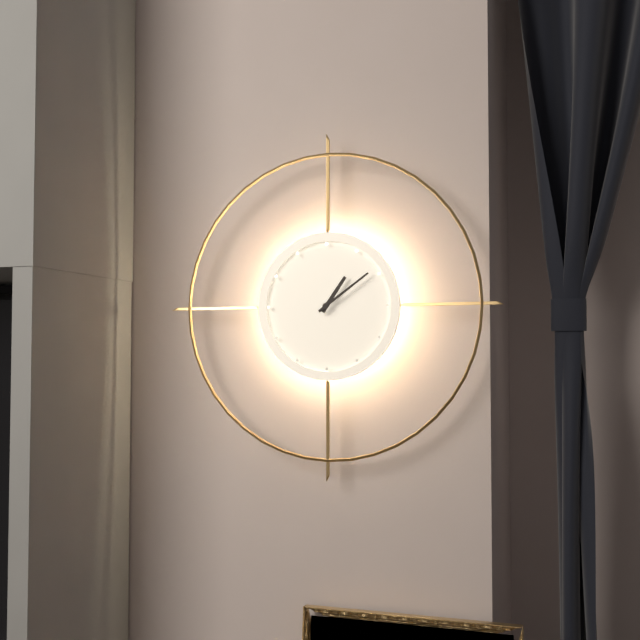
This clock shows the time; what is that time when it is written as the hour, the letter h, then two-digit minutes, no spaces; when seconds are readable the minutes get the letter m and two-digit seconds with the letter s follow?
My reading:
1h09
